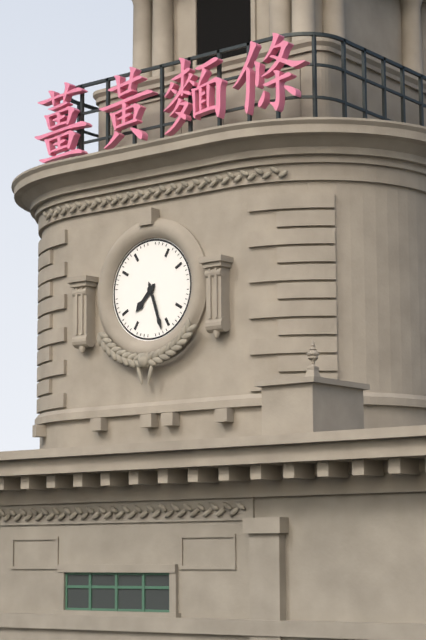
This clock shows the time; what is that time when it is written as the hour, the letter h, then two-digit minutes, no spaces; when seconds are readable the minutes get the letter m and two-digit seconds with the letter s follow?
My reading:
7h27
